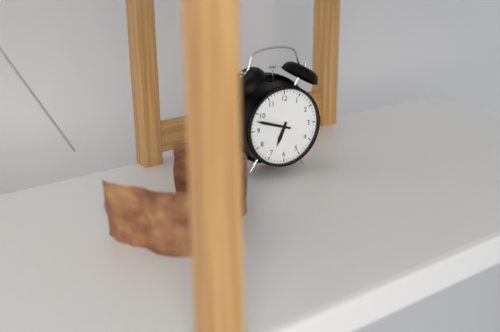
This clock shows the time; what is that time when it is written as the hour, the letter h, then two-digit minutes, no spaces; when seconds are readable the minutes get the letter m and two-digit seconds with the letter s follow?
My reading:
6h48
